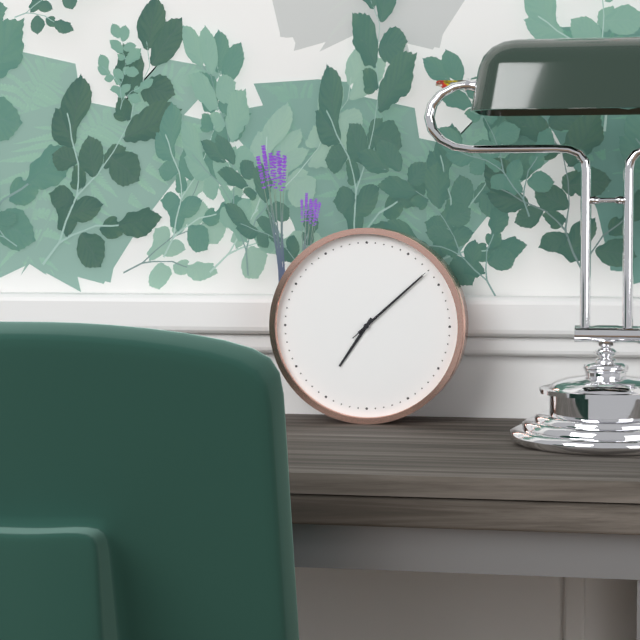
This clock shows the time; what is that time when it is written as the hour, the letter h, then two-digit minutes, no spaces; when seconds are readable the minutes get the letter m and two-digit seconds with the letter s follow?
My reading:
7h08m08s
